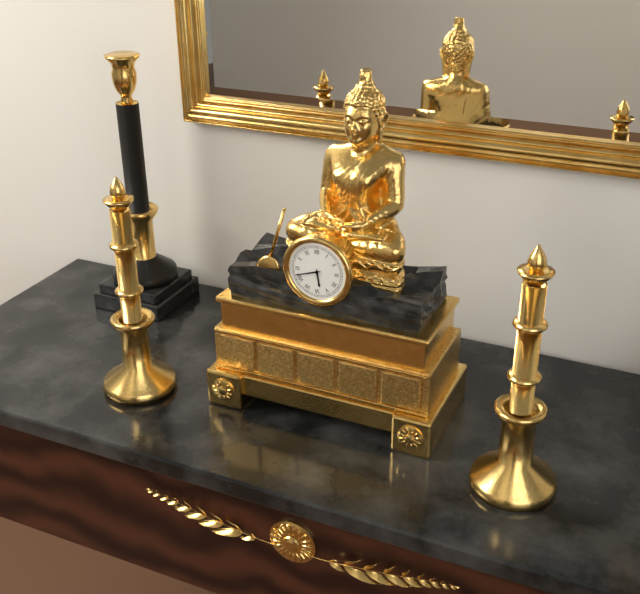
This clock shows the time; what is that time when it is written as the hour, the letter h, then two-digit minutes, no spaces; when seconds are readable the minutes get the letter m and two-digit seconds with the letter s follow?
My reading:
5h42
